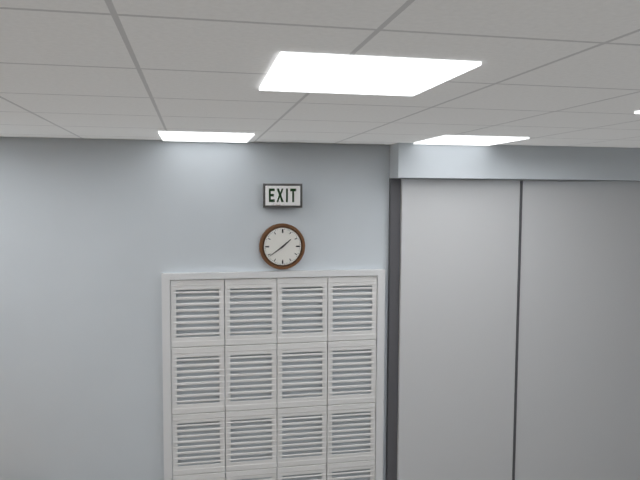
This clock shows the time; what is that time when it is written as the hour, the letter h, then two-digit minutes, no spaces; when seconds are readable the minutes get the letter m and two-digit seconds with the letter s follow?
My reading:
1h39
